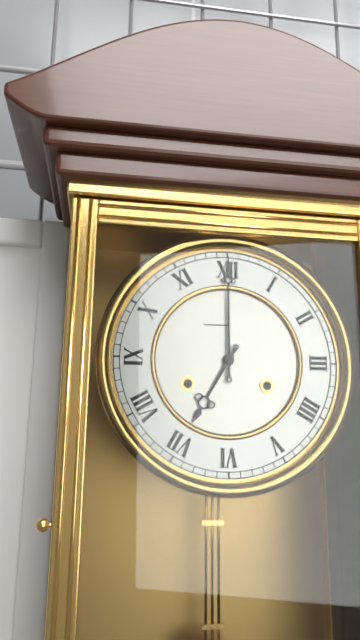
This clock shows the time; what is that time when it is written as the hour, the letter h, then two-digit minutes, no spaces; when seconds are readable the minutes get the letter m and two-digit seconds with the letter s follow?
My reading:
7h00
